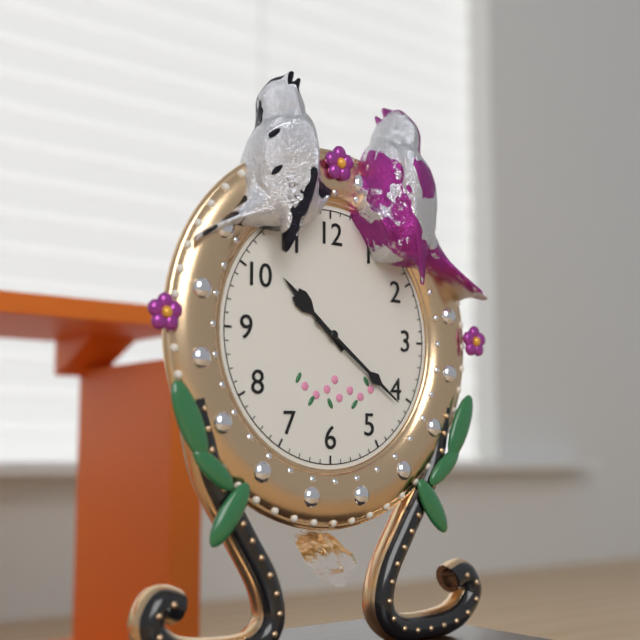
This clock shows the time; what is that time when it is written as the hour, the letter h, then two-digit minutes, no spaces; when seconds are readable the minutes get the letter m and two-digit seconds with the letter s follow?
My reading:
10h21
